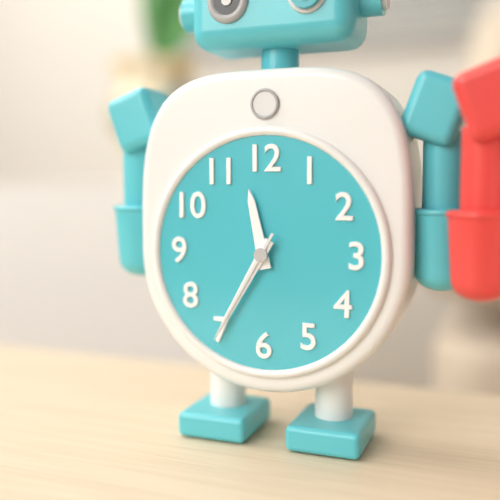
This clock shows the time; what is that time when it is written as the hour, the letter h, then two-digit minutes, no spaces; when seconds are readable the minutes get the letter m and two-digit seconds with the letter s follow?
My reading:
11h35m35s
